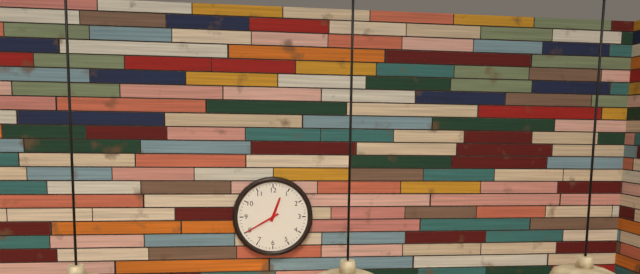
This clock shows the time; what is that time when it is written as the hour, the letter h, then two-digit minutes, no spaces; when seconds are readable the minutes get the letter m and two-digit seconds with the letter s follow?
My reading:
12h40
